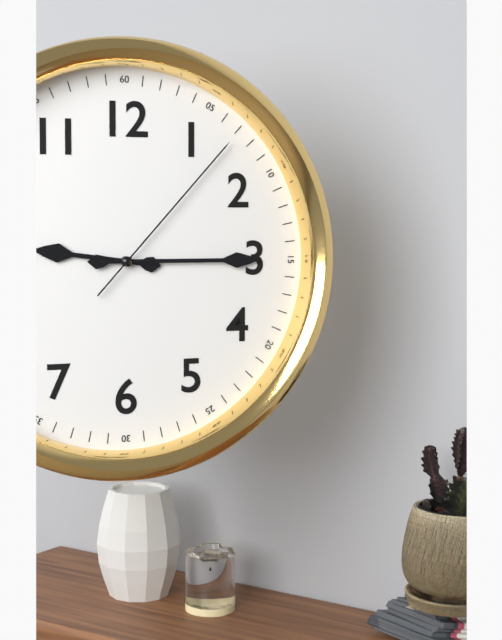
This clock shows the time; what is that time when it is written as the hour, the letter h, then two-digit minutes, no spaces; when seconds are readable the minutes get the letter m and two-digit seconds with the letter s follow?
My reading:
9h15m07s
